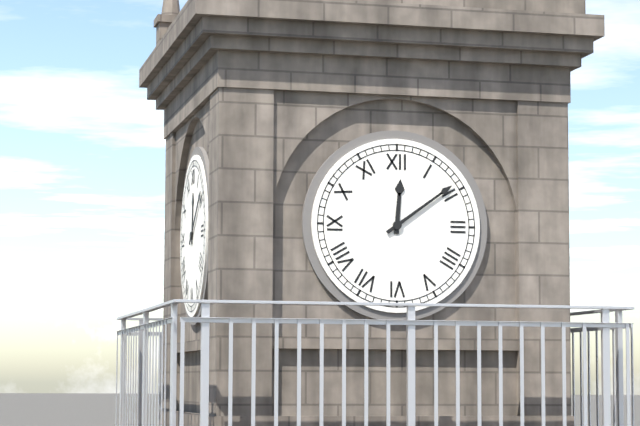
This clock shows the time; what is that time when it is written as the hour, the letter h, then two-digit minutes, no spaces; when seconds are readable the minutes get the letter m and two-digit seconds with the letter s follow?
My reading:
12h09
